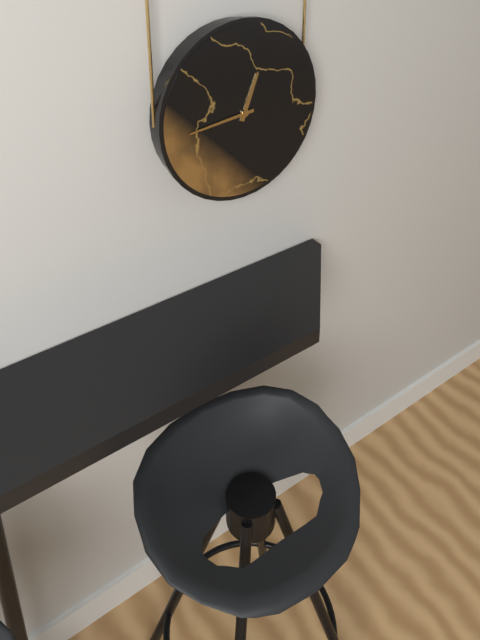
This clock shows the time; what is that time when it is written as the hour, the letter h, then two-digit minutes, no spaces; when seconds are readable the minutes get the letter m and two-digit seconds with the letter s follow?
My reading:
12h44
